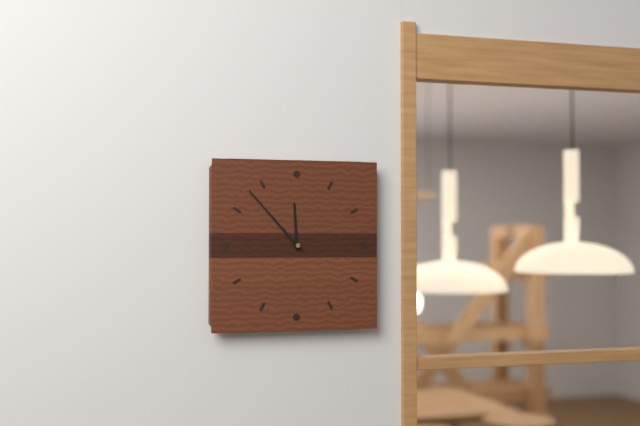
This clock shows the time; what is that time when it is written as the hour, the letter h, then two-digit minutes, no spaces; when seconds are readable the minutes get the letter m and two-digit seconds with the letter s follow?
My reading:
11h53
